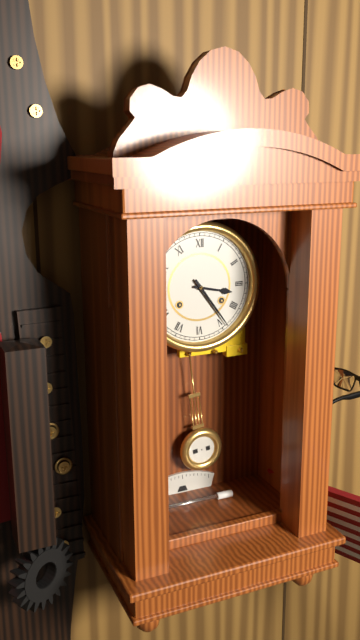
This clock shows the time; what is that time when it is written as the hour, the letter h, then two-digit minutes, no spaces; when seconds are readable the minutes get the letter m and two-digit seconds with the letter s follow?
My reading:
3h24
